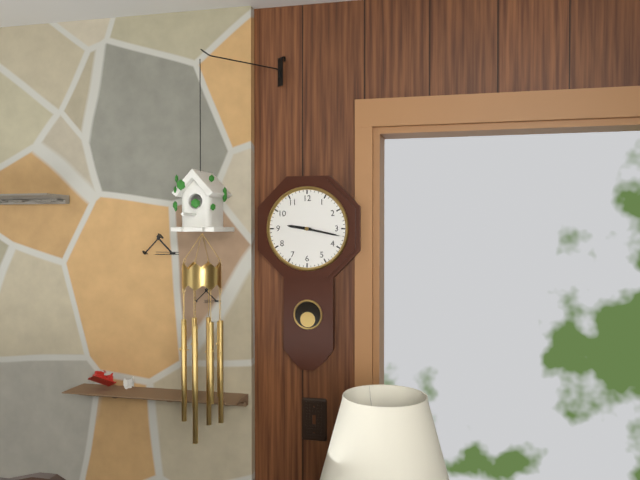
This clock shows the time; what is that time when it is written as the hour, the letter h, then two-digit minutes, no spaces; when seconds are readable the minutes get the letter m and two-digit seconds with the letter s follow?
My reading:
9h17
